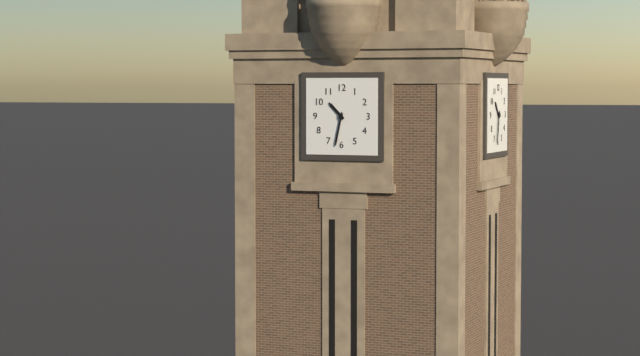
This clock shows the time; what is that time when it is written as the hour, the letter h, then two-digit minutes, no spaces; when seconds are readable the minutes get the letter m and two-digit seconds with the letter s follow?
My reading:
10h32
